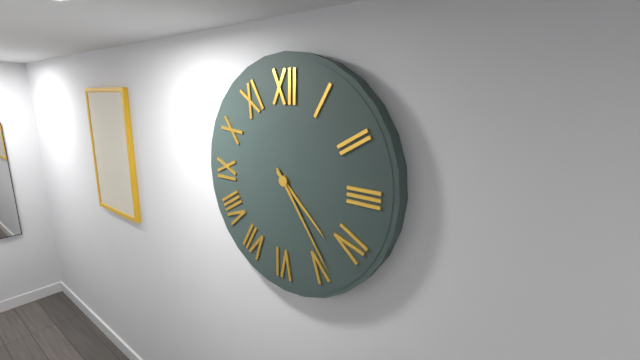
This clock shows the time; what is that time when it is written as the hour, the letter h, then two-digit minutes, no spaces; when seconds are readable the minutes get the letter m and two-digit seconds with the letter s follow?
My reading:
4h24
